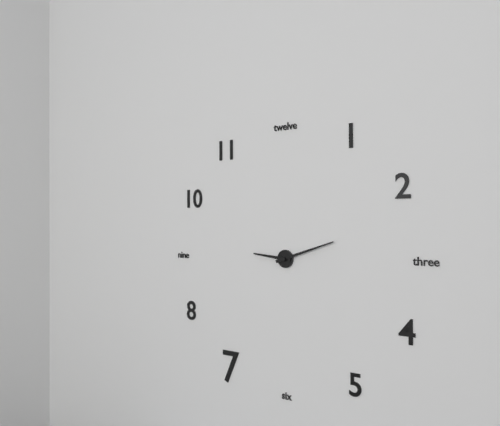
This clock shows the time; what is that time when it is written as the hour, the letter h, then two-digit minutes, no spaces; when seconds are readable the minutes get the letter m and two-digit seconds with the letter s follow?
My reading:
9h12
